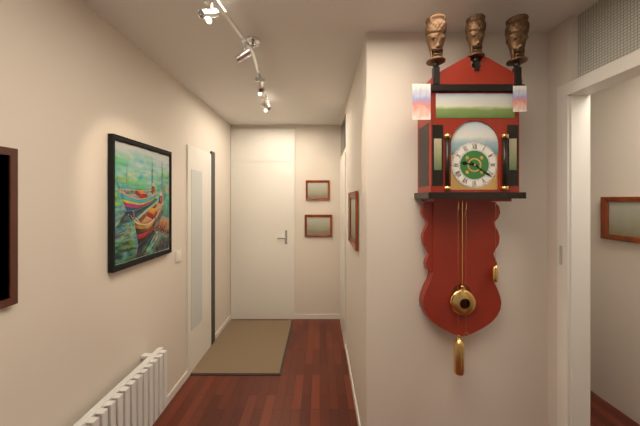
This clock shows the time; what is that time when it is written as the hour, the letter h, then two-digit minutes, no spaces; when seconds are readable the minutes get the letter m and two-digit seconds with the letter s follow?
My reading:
9h21
